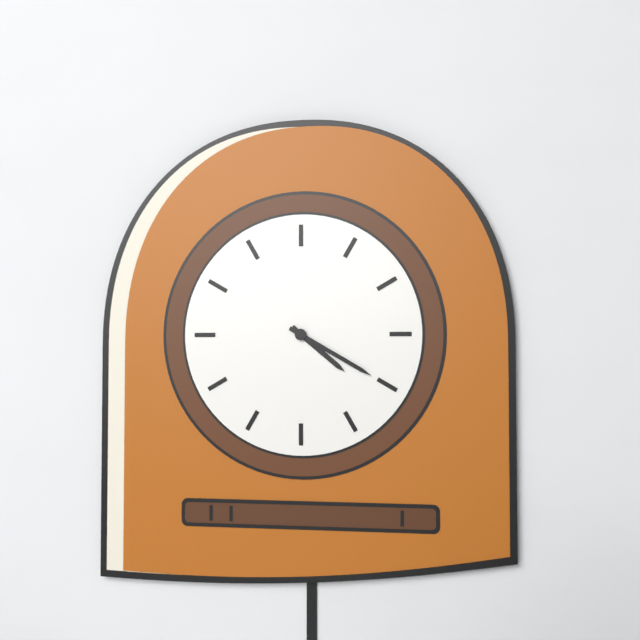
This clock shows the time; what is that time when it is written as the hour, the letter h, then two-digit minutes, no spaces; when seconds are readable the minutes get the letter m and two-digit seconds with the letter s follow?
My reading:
4h20
